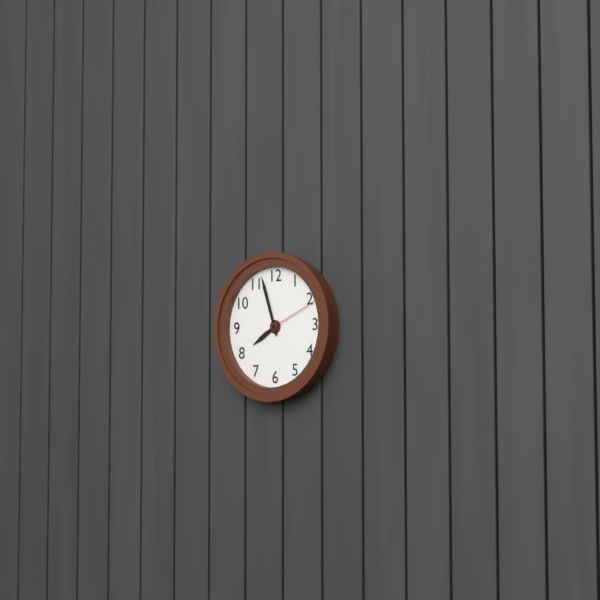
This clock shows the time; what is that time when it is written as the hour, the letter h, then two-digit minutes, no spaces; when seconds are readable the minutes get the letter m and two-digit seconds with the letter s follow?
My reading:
7h57m11s
